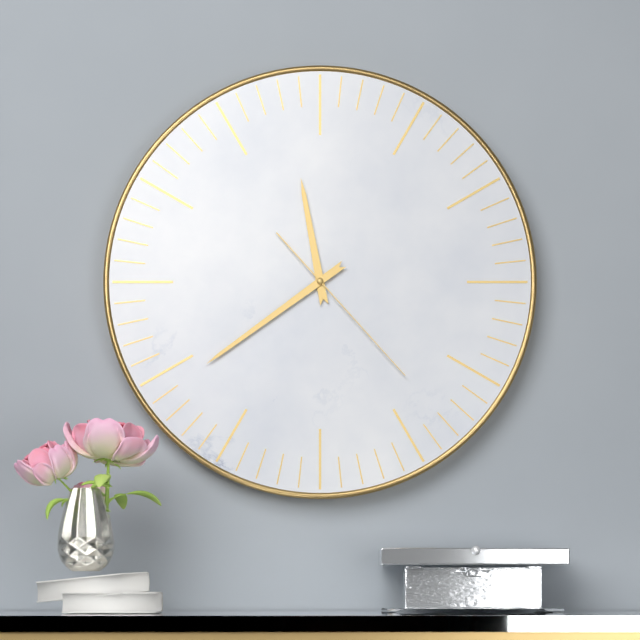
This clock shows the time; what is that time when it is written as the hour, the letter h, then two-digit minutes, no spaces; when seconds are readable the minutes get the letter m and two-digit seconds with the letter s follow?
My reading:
11h39m23s
